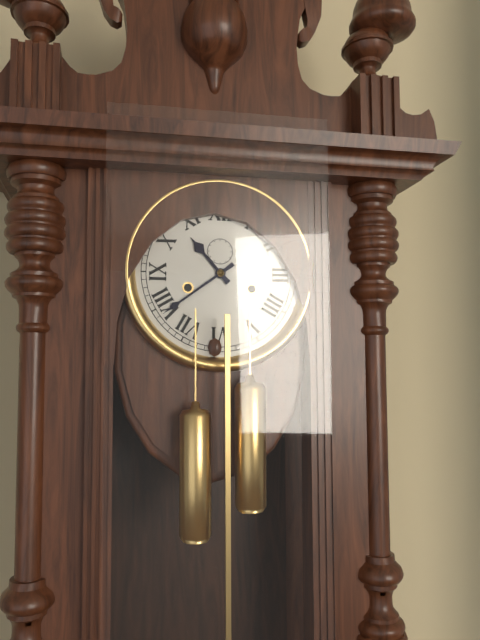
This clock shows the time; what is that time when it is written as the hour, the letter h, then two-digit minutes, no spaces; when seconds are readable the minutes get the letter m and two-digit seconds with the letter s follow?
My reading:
10h39
